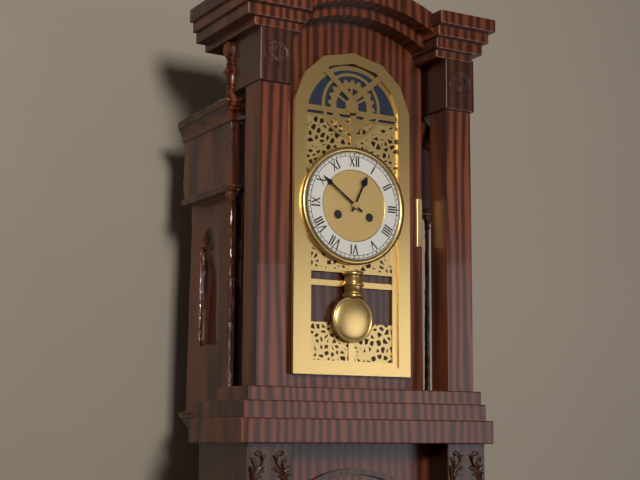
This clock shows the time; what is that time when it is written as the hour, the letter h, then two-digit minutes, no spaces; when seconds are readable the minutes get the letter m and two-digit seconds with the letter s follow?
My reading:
12h51
